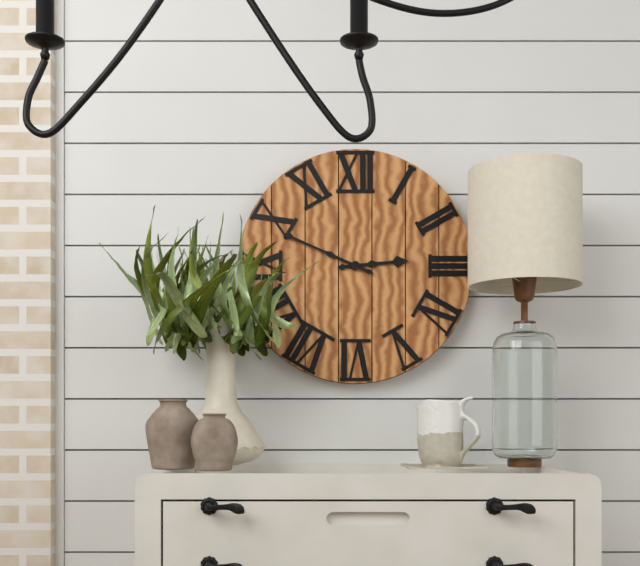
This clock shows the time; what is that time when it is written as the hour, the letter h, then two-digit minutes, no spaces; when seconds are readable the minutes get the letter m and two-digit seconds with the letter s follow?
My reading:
2h49
